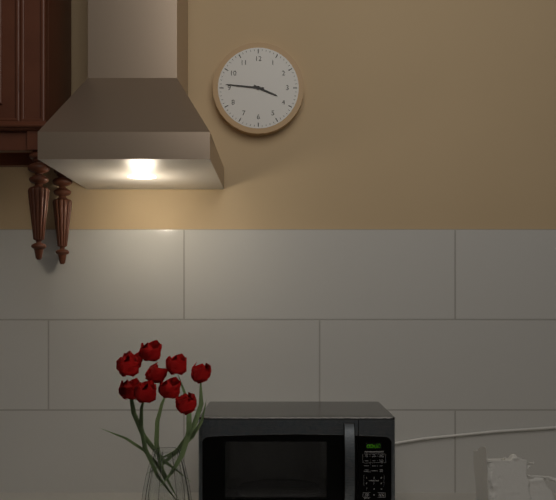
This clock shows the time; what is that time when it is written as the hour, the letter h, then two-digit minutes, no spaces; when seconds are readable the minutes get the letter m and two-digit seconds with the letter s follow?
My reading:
3h46
